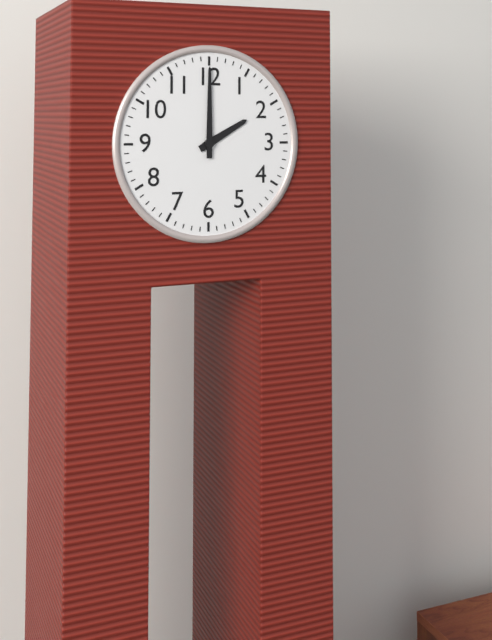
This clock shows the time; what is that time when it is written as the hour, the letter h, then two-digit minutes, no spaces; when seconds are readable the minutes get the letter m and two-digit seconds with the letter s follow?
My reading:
2h00
